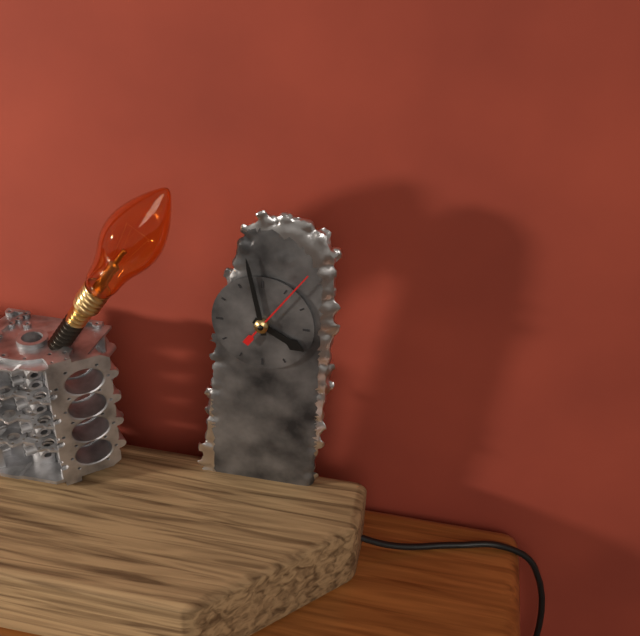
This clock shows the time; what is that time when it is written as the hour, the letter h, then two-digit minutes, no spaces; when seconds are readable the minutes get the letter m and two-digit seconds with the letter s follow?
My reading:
3h58m06s
